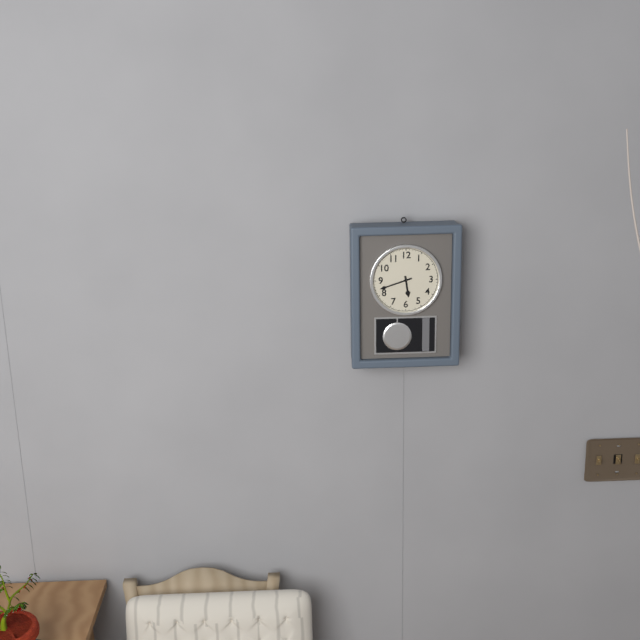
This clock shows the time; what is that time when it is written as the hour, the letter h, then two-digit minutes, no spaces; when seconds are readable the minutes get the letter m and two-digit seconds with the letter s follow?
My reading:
5h42
